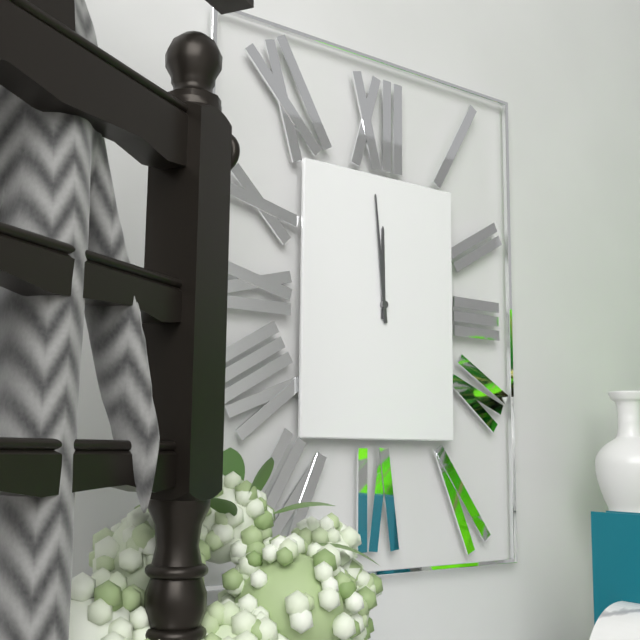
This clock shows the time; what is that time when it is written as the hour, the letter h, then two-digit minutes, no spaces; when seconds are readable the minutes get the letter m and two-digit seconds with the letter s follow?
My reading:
11h59
